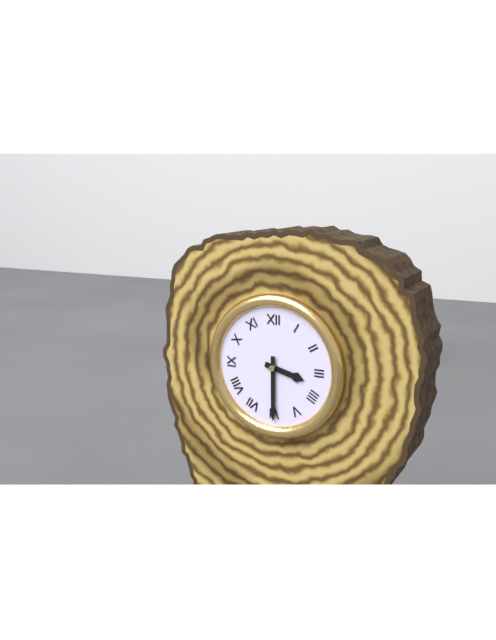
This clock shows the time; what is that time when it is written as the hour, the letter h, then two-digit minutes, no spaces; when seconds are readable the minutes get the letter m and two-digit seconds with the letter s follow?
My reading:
3h30
